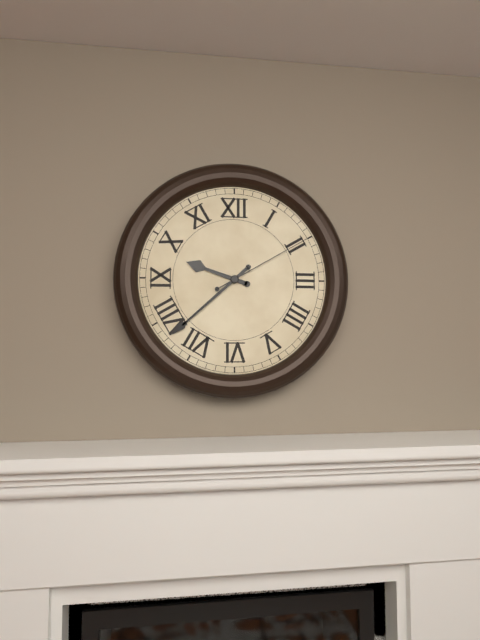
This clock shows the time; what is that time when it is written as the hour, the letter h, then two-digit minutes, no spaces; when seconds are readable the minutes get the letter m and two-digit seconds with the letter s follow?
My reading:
9h38m10s
